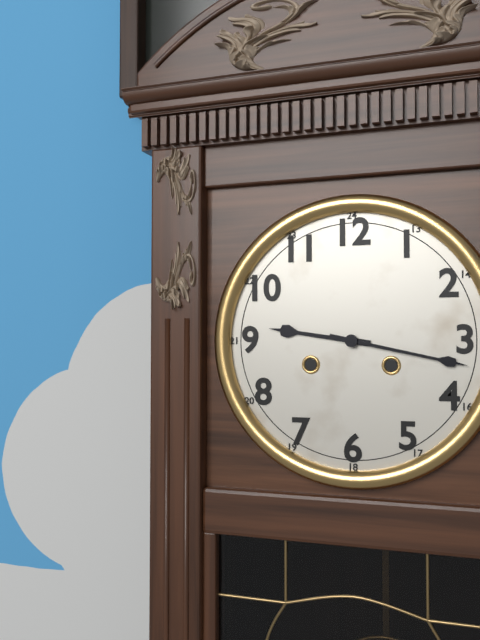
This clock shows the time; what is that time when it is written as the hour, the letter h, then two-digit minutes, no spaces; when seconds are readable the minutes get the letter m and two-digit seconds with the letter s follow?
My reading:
9h17
